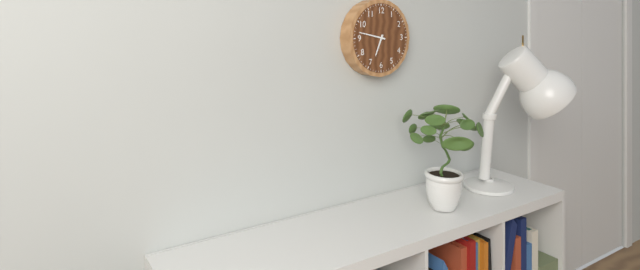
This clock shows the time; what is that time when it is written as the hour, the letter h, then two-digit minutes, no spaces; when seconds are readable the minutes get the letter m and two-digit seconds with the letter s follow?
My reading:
6h47
